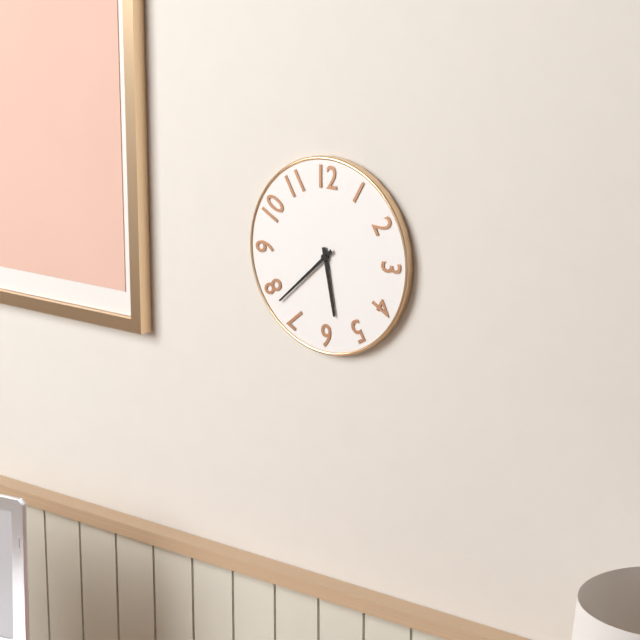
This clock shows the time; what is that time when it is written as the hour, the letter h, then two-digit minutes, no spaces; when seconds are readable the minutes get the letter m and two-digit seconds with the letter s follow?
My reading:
5h38
